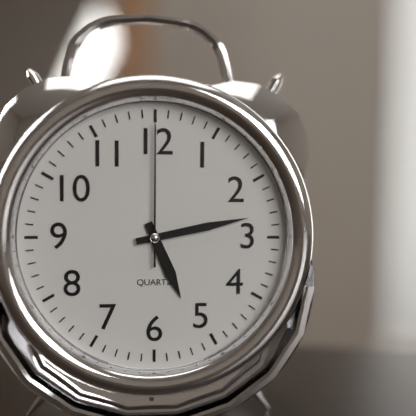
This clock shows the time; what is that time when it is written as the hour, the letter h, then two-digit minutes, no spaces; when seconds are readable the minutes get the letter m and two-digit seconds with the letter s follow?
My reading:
5h13m00s
